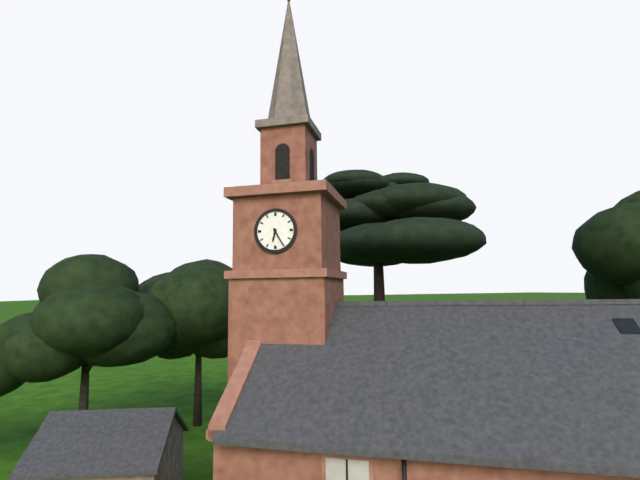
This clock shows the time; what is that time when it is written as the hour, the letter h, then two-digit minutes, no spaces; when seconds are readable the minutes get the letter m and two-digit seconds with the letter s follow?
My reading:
6h25
